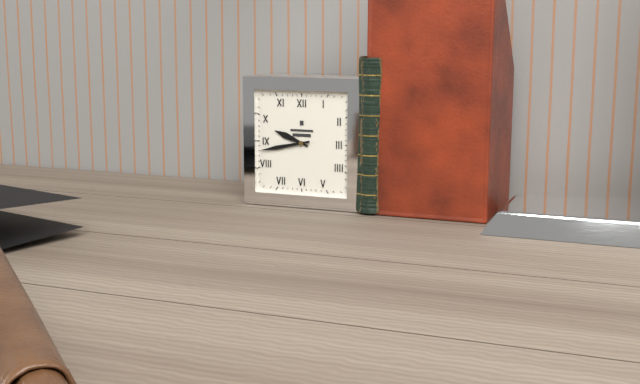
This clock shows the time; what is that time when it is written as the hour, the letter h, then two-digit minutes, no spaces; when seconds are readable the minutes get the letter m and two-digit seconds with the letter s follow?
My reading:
9h43
